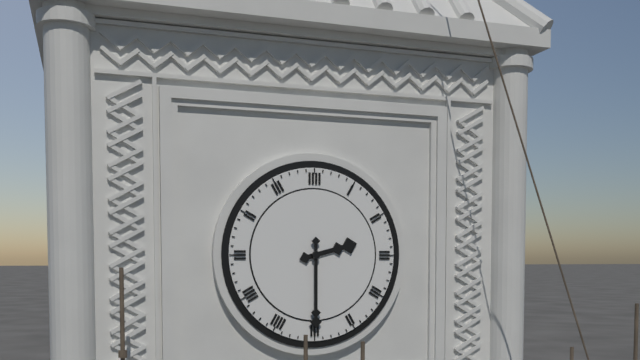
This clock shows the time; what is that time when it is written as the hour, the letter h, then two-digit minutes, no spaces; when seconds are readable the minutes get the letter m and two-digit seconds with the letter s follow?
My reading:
2h30
